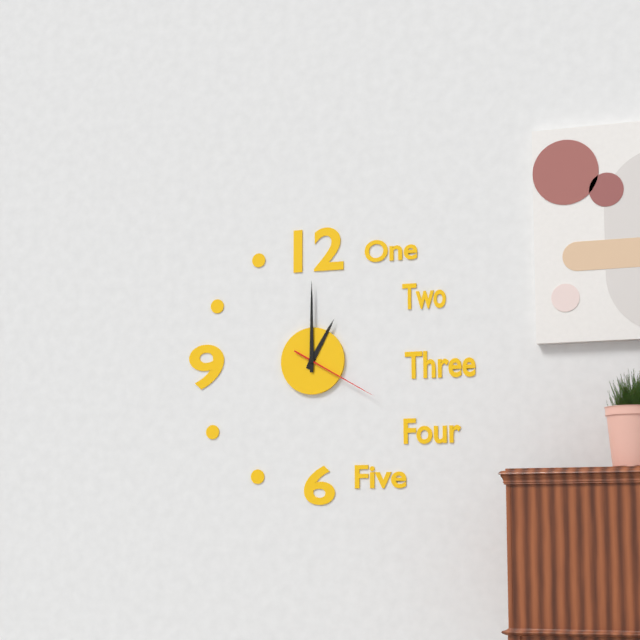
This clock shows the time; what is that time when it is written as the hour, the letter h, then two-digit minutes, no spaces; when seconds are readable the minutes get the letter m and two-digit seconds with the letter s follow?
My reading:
1h00m20s
